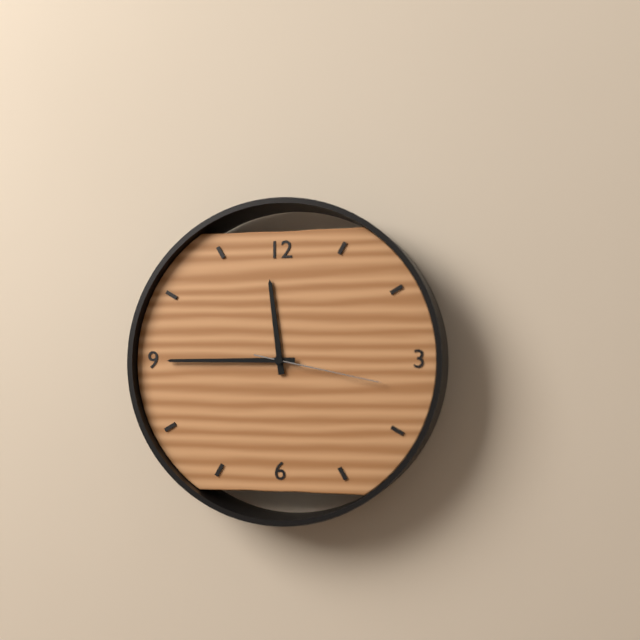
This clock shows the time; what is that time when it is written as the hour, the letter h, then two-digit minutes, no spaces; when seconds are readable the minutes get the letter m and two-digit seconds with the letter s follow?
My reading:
11h45m17s
